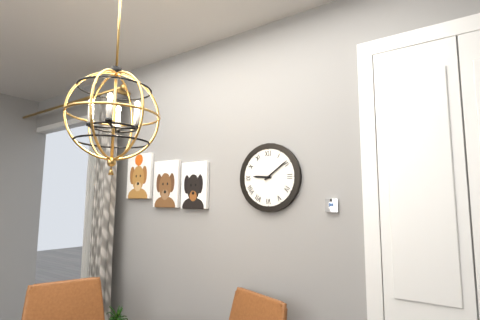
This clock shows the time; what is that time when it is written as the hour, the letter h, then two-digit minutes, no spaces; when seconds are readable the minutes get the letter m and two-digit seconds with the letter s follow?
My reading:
9h09
